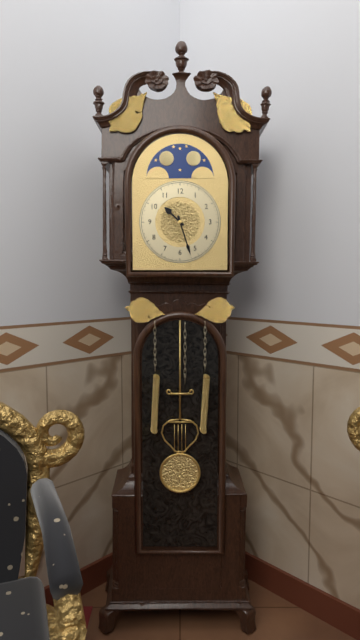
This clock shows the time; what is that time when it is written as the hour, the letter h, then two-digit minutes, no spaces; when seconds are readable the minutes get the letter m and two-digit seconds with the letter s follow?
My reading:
10h27
